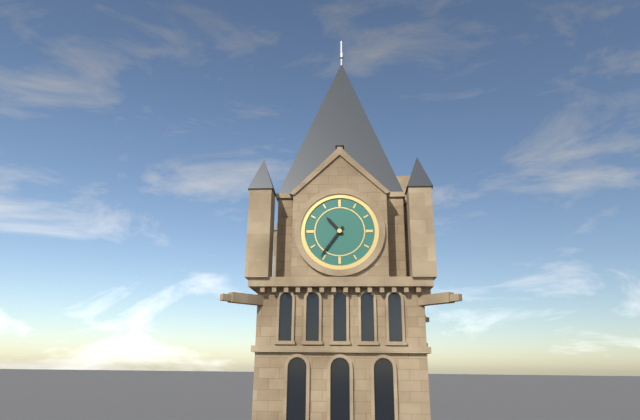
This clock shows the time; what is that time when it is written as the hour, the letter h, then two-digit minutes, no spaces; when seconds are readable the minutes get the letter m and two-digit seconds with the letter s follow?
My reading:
10h36
